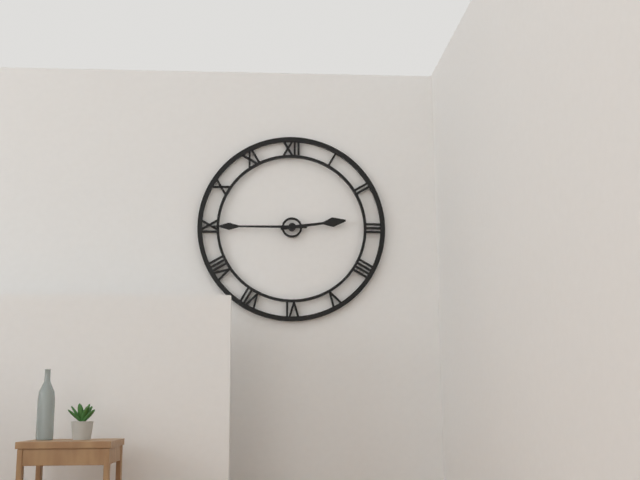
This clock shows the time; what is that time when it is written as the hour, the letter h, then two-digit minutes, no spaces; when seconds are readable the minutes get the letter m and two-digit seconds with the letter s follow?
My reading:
2h45
